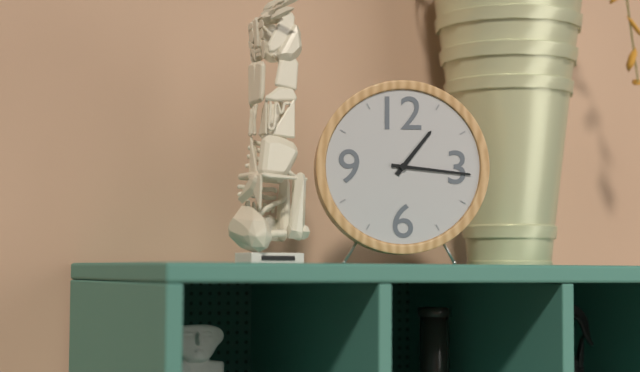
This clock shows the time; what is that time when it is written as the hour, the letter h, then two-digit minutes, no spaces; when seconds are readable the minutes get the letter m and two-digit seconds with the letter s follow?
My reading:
1h16
